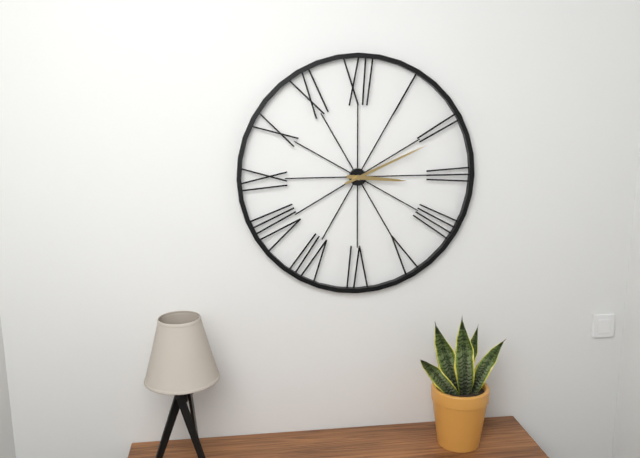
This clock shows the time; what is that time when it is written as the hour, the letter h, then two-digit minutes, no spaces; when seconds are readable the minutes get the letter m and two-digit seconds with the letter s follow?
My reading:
3h11
